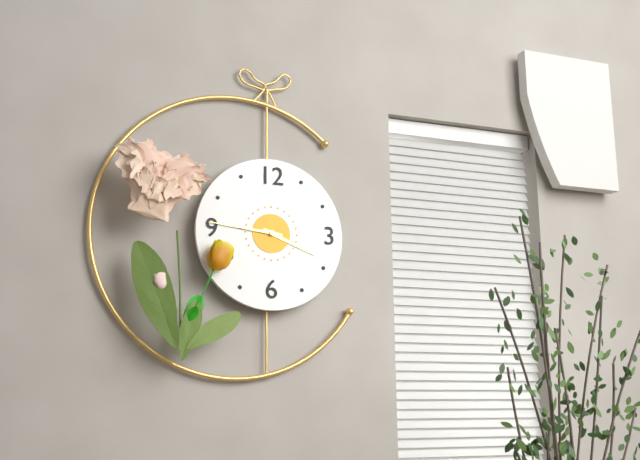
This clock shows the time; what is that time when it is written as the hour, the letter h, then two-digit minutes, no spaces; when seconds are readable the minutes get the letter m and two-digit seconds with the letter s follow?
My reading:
3h46
